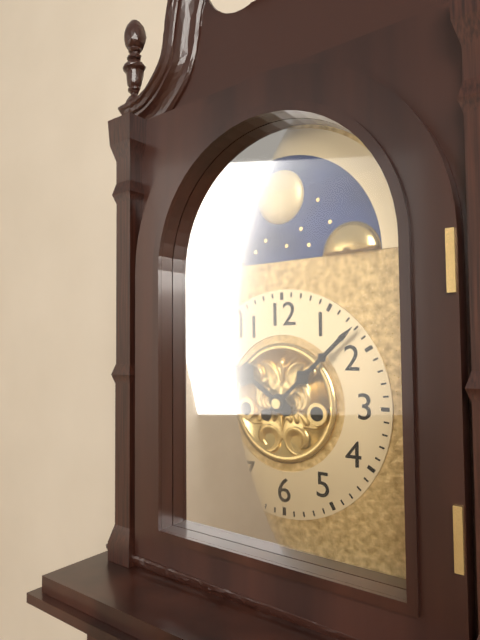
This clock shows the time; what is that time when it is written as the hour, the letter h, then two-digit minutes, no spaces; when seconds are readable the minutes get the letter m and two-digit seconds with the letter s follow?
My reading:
10h08
